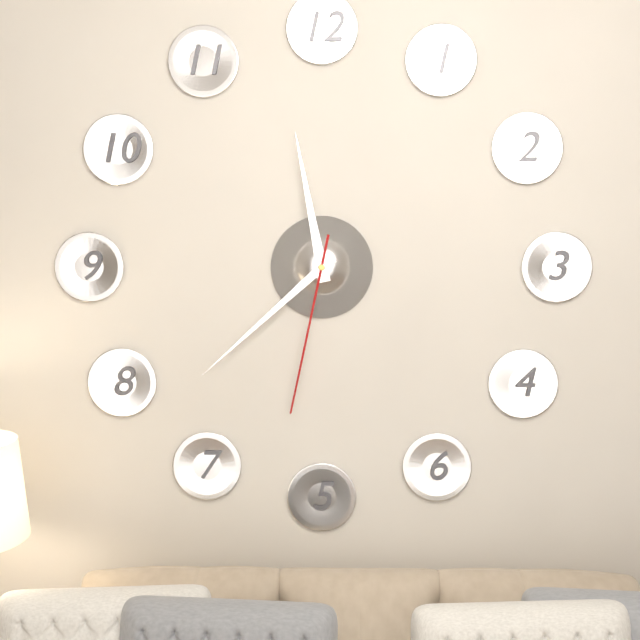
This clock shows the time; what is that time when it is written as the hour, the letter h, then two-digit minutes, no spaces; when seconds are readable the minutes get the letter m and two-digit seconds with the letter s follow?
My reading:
11h38m32s
